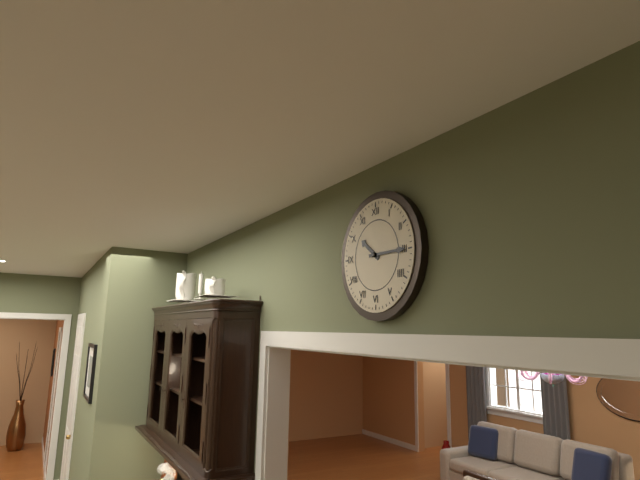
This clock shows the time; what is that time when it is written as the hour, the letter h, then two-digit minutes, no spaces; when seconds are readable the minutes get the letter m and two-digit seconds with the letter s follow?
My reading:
10h15
